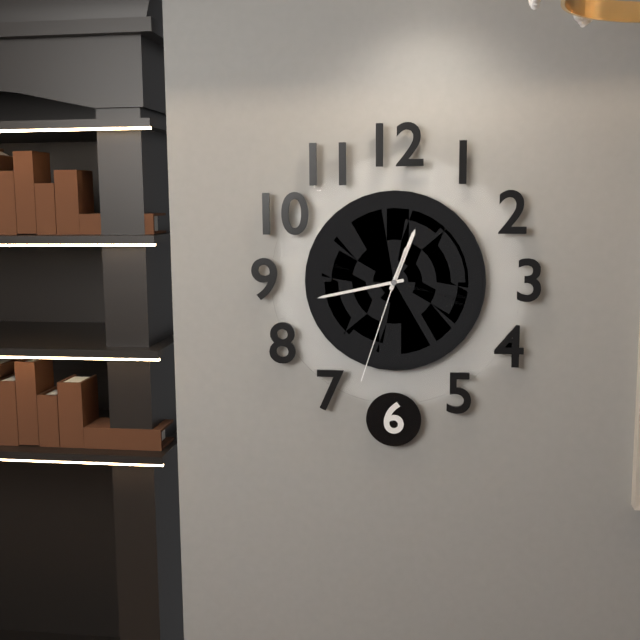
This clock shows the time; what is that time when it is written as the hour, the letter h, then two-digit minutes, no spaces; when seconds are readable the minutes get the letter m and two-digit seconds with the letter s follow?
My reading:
12h43m33s
